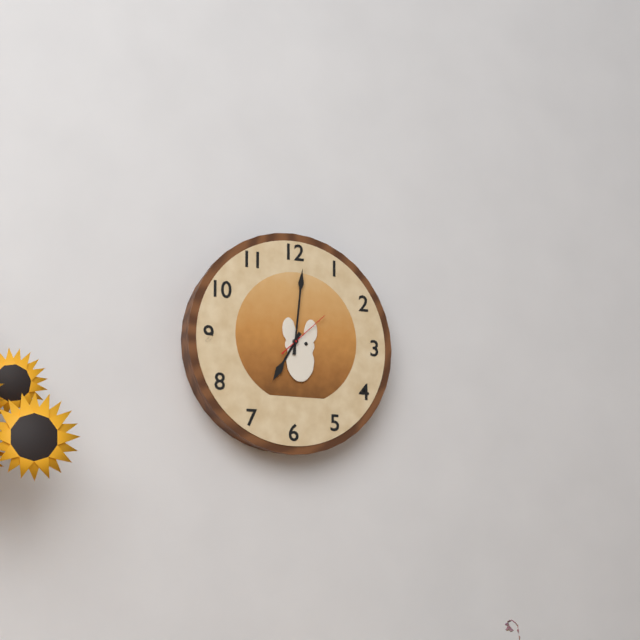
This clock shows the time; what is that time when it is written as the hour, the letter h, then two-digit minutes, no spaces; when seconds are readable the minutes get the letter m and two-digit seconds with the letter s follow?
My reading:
7h01m08s
